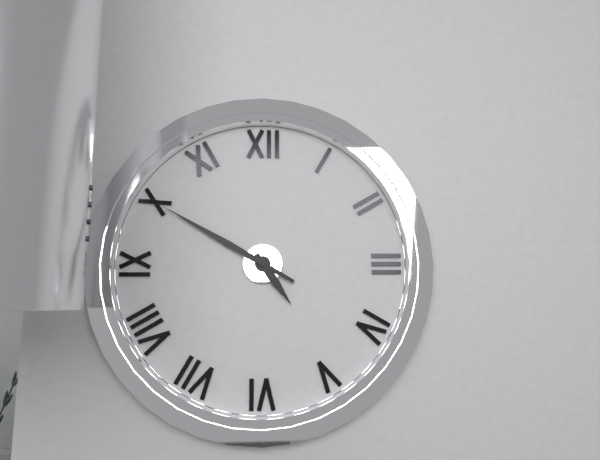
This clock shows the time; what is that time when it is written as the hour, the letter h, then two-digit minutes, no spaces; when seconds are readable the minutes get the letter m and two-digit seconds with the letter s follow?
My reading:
4h50
